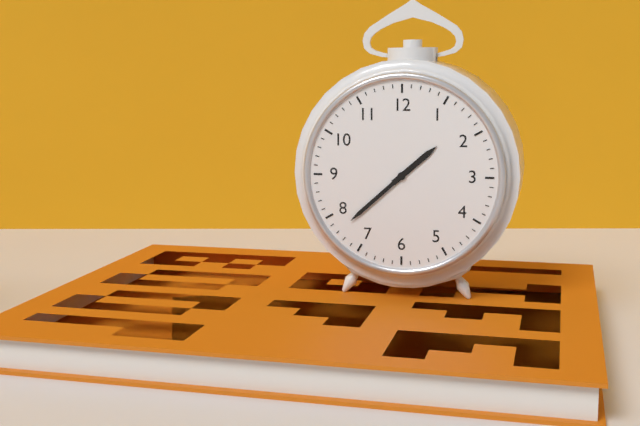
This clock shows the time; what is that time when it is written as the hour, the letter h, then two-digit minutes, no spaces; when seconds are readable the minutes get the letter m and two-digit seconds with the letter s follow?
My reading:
1h38
